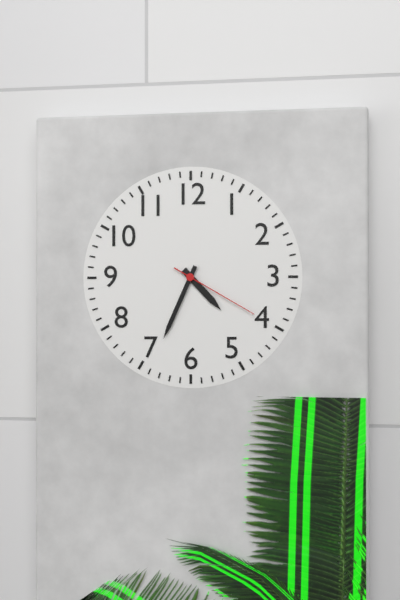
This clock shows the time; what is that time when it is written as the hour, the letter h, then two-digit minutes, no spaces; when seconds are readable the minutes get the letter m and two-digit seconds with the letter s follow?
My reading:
4h34m20s
